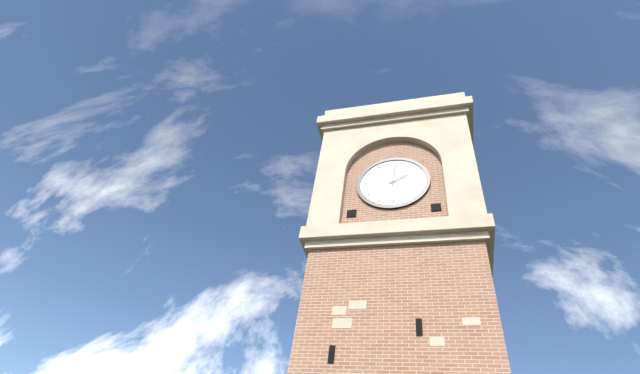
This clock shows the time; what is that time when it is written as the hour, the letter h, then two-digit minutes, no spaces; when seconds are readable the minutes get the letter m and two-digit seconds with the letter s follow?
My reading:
2h01
